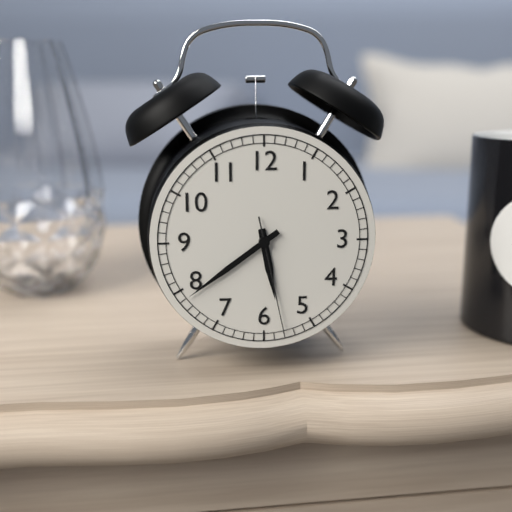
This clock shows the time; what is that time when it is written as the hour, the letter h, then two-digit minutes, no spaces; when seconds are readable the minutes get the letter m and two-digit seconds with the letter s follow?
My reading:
5h39m28s
